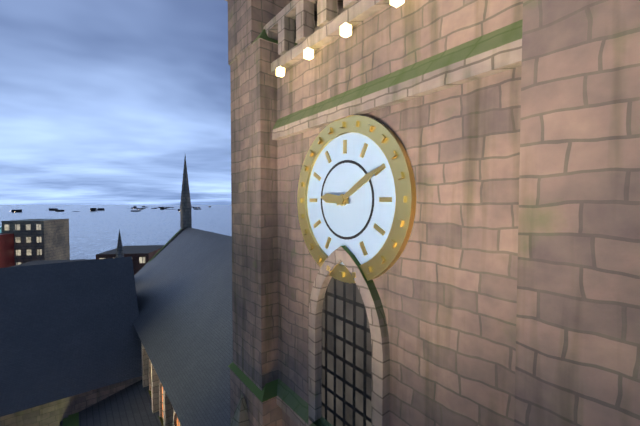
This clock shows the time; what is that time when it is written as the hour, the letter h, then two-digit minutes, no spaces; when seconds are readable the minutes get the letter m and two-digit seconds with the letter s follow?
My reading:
9h10
